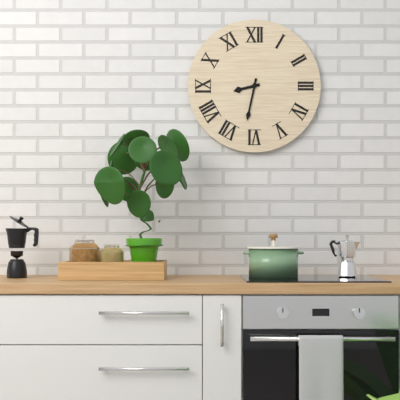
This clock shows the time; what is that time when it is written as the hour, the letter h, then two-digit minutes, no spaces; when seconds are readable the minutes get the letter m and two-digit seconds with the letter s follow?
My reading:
8h32
